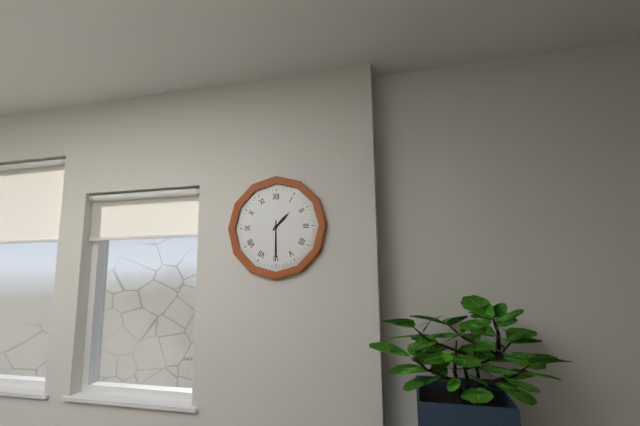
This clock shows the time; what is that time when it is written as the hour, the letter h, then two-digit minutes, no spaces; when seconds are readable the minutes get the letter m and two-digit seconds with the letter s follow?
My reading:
1h30
